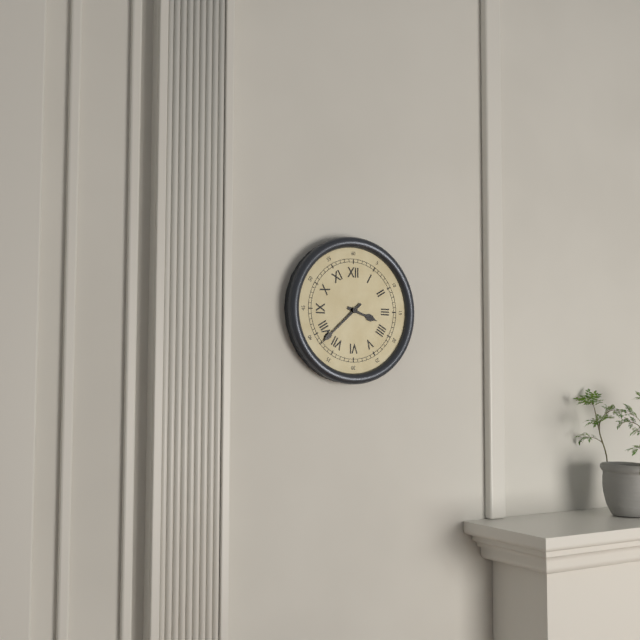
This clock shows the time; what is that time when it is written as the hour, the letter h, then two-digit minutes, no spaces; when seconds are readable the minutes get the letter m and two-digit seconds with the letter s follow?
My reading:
3h38
